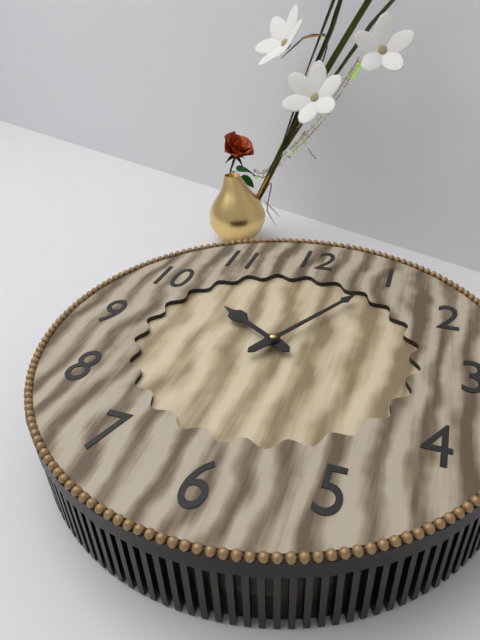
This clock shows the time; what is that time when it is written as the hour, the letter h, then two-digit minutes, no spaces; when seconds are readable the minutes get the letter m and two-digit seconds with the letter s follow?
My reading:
10h05
